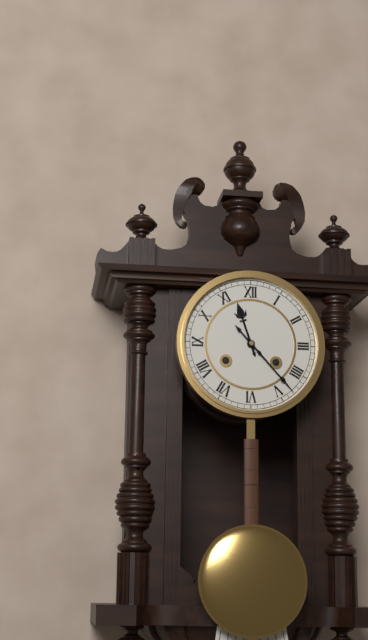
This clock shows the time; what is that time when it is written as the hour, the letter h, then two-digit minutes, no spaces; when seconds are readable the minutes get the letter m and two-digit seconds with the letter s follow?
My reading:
11h23
